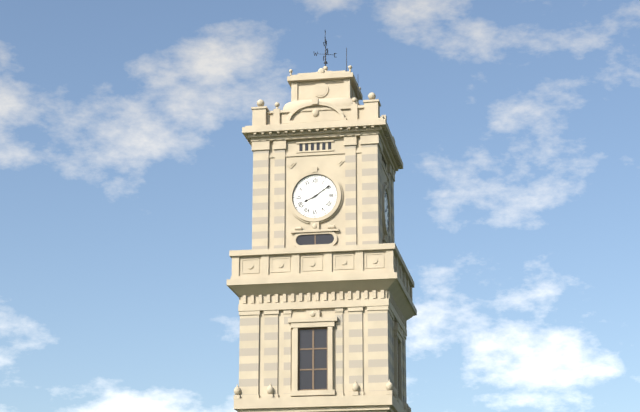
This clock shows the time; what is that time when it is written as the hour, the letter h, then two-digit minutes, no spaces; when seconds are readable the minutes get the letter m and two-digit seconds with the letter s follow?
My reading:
8h09
